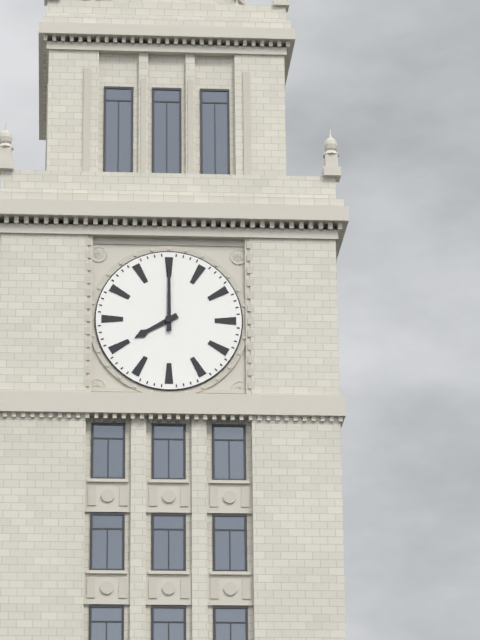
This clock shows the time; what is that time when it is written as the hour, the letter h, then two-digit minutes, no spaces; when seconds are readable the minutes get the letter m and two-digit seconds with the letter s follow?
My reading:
8h00
